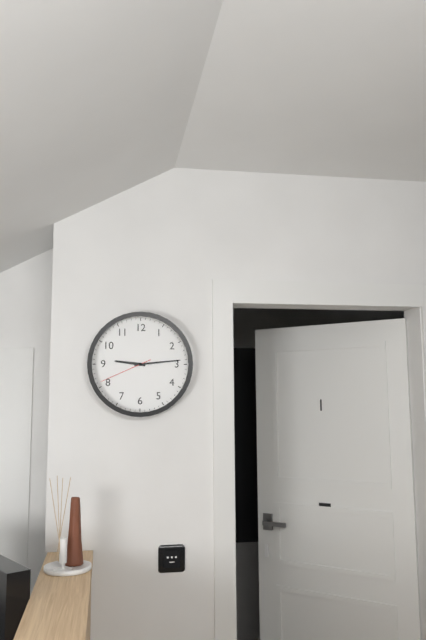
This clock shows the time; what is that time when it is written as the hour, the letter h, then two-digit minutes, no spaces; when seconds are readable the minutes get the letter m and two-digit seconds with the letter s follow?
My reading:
9h14m41s
